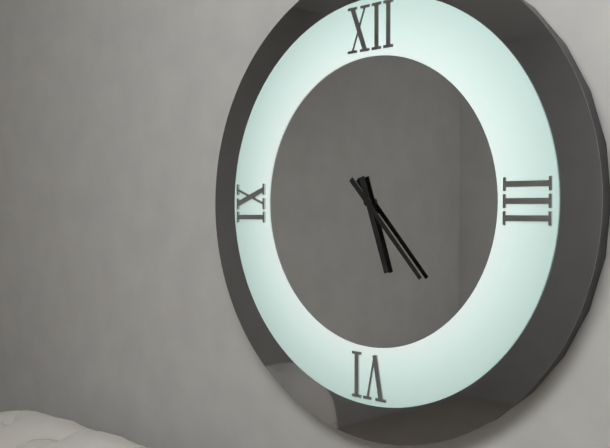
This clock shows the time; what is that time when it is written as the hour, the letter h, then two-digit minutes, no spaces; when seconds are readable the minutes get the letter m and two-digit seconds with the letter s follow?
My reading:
5h23
